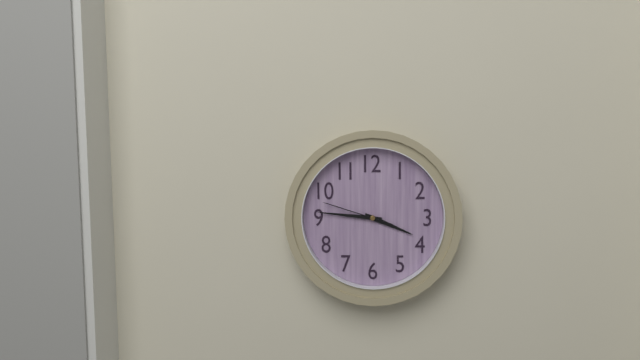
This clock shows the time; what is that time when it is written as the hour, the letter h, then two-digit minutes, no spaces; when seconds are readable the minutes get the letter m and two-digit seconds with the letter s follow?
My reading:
3h46m48s
